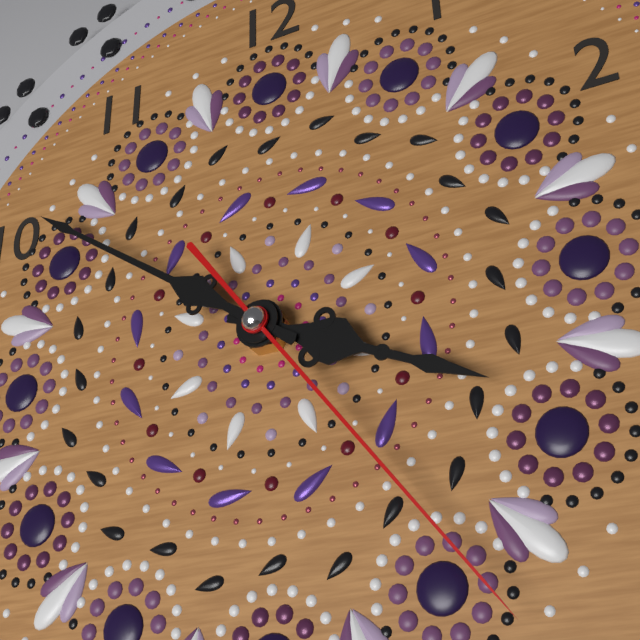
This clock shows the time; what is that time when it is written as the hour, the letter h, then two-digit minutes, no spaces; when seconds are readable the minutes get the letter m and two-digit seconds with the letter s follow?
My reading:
3h51m24s
